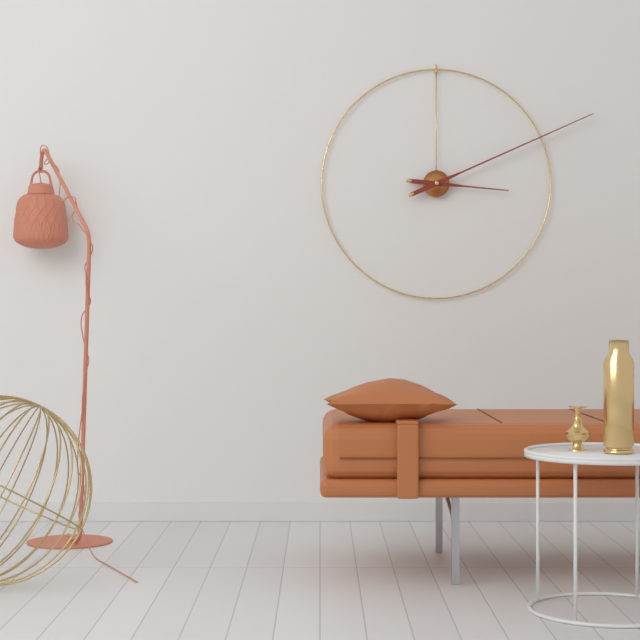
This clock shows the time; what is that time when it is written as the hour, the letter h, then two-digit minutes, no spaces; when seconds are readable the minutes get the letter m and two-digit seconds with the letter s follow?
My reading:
3h11
